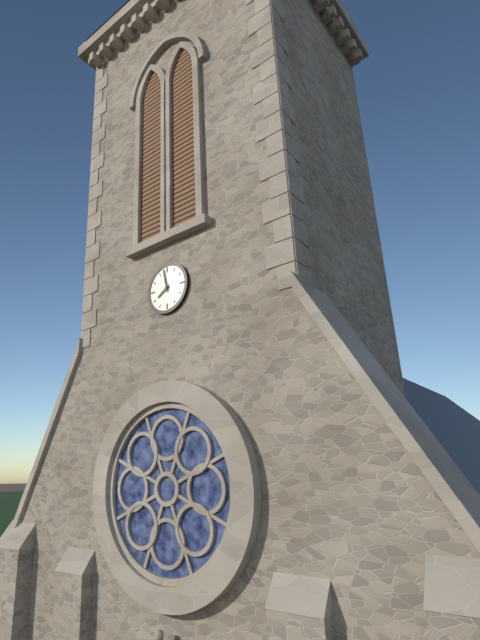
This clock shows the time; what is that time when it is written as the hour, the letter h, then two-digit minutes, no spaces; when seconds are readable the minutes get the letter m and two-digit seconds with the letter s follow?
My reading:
7h58
